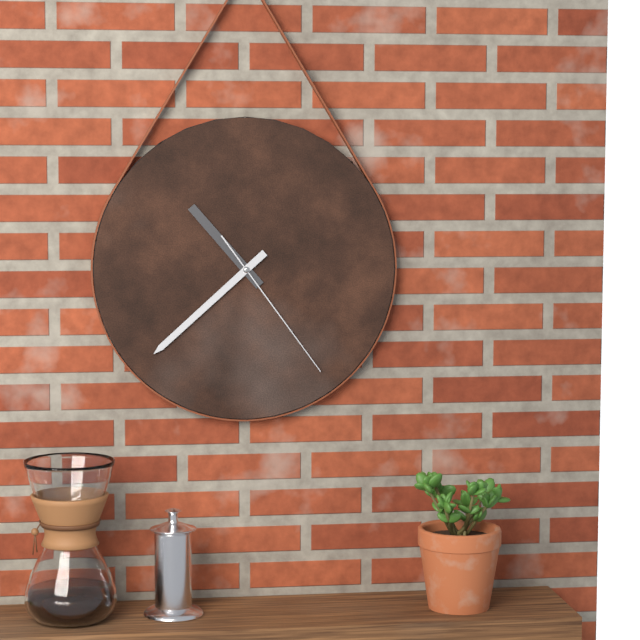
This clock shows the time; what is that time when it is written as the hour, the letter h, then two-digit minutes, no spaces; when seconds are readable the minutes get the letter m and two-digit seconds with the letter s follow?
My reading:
10h38m24s
